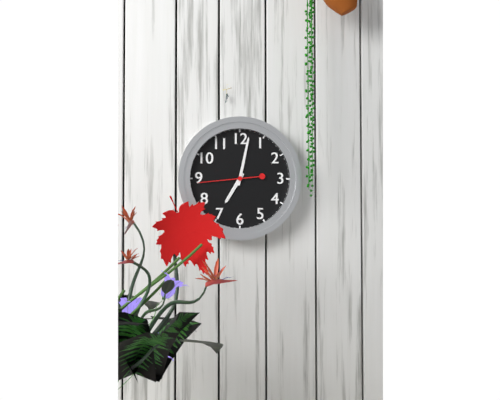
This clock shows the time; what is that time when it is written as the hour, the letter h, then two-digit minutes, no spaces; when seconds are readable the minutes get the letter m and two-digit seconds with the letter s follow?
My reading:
7h02m44s
